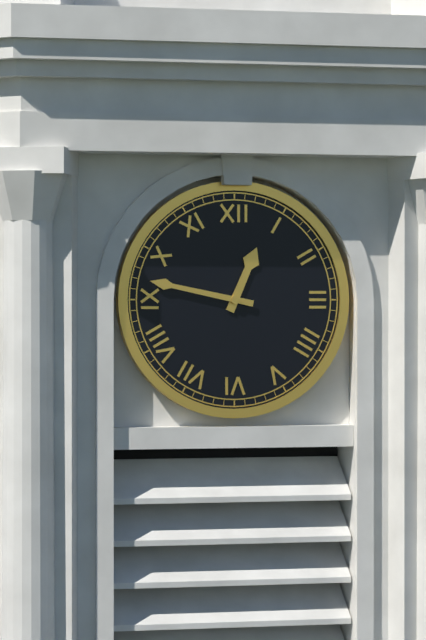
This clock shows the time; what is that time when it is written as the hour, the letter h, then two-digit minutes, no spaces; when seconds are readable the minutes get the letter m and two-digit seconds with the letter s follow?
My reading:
12h47
